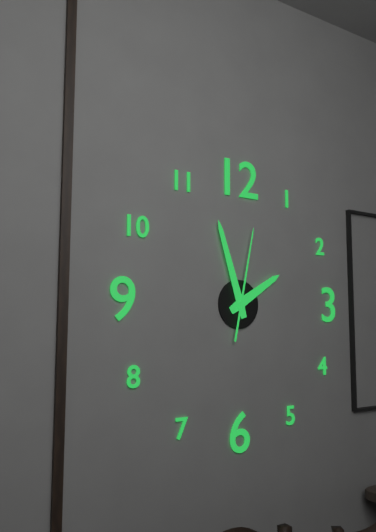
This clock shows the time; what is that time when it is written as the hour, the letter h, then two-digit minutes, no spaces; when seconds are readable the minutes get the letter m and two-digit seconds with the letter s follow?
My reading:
1h57m02s
